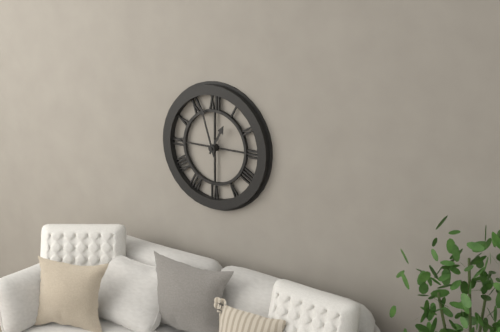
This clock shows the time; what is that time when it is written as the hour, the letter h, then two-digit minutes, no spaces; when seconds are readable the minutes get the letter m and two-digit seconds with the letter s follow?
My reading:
12h57
